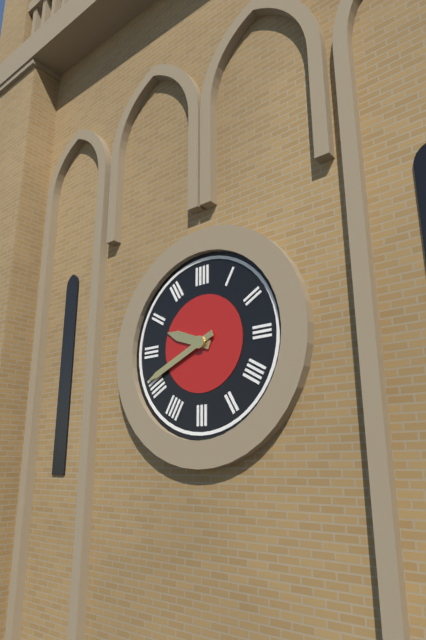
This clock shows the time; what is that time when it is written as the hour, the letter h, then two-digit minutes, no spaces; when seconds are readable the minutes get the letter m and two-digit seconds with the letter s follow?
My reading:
9h41
